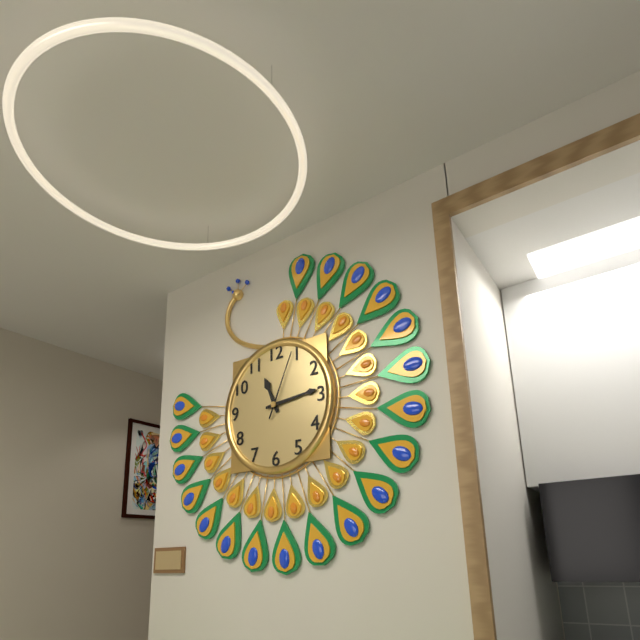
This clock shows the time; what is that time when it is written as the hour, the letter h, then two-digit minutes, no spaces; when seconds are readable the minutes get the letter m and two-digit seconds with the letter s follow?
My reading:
11h14m04s
